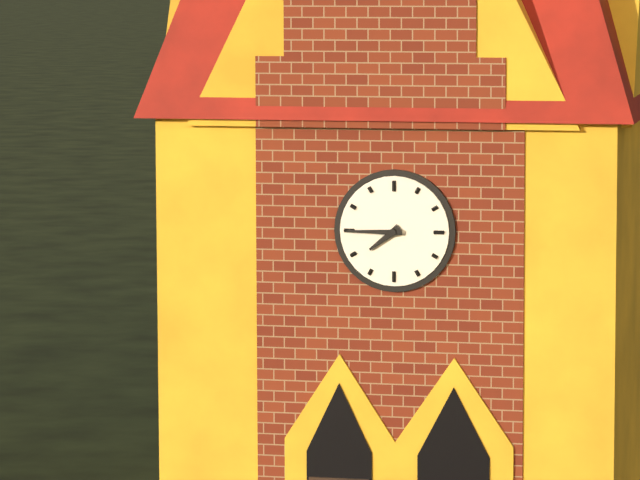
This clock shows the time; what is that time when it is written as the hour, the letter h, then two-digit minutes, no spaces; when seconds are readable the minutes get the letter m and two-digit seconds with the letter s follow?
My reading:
7h45
